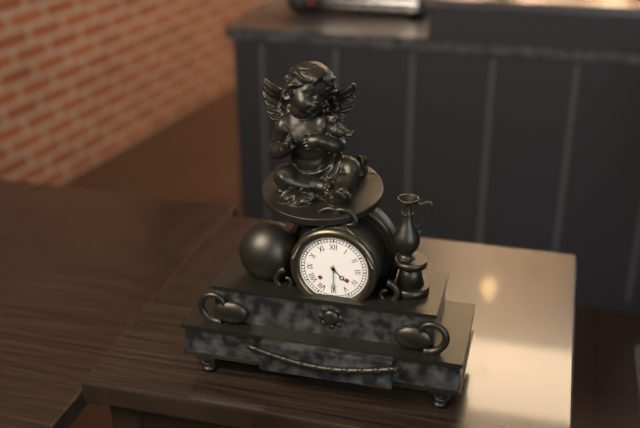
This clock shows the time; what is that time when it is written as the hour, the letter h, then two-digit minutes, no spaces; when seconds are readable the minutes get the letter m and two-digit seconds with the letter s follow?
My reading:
4h30
